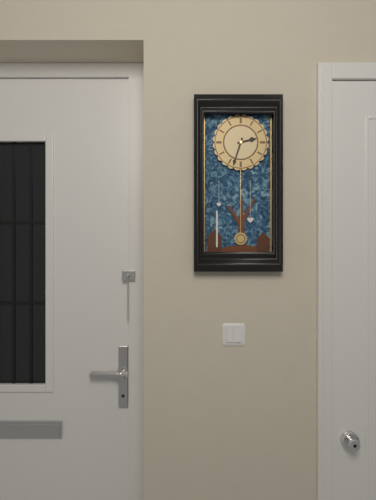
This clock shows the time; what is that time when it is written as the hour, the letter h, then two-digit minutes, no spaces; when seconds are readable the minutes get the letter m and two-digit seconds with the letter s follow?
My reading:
2h33
